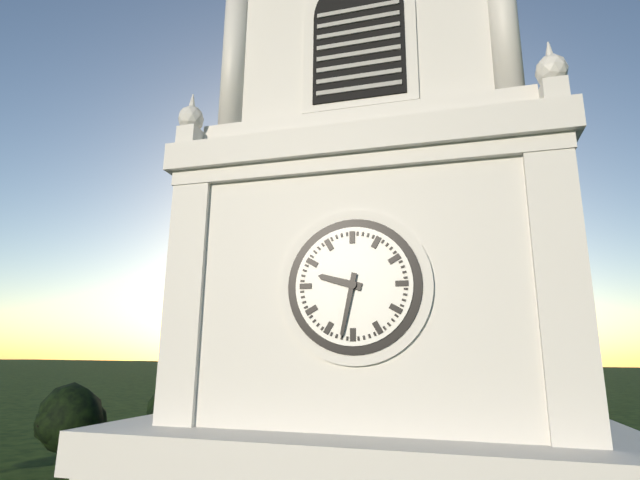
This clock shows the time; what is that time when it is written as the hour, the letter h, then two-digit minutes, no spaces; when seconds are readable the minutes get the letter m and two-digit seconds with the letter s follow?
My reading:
9h32
